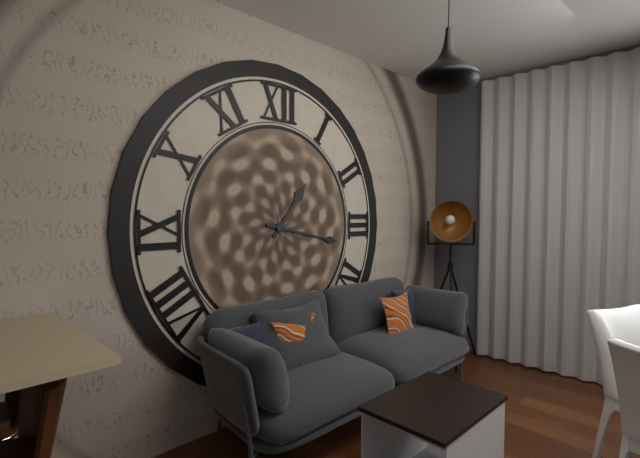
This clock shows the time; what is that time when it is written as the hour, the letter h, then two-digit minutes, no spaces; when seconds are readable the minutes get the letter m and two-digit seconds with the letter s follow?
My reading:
1h17
